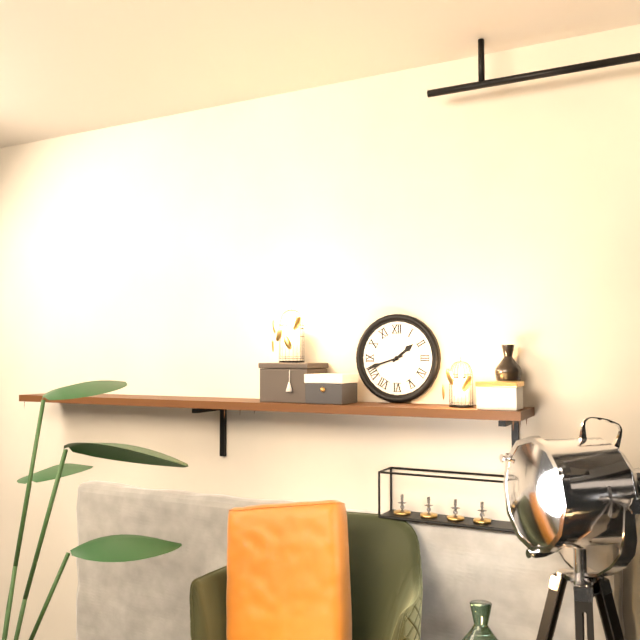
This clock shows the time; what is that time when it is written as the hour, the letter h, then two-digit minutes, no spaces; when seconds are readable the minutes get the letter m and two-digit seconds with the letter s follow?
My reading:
1h42
